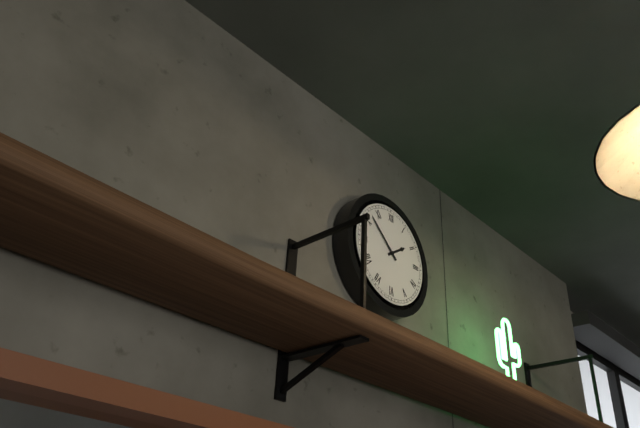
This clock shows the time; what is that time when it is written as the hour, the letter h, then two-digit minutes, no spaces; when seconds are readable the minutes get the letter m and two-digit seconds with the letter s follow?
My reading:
1h52
